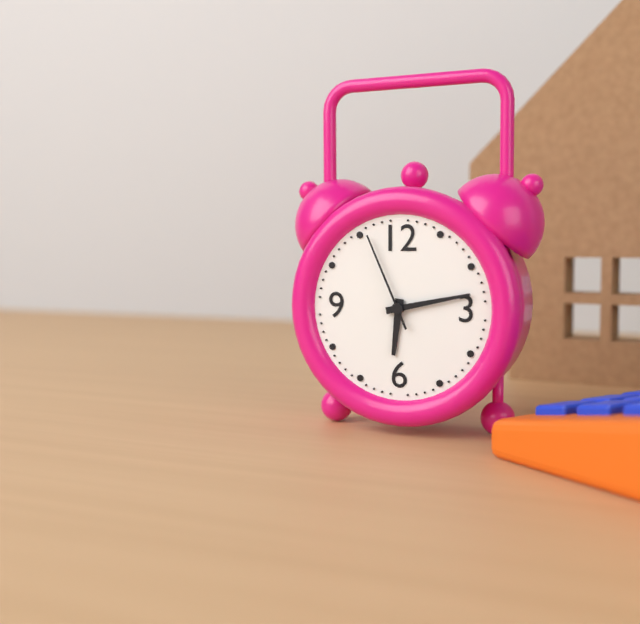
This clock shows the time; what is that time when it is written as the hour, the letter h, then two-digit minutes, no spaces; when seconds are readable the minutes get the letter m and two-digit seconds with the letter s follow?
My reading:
6h13m56s
